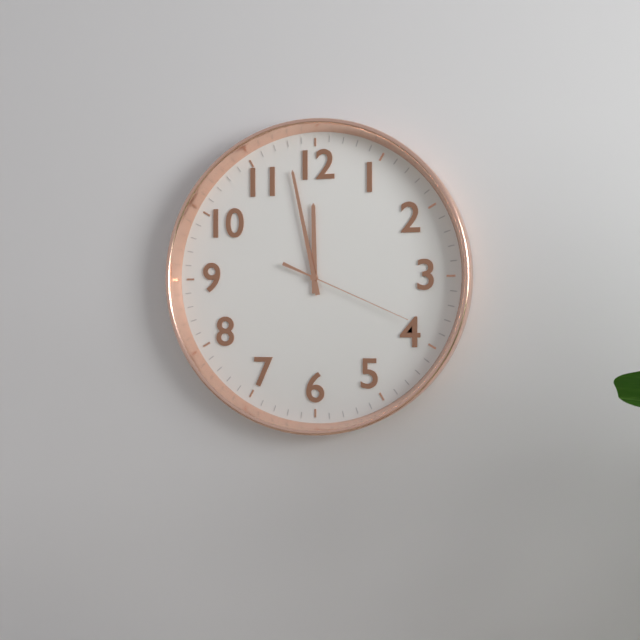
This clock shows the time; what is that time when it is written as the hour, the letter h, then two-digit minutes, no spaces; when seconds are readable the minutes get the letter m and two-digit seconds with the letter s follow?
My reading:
11h58m19s
